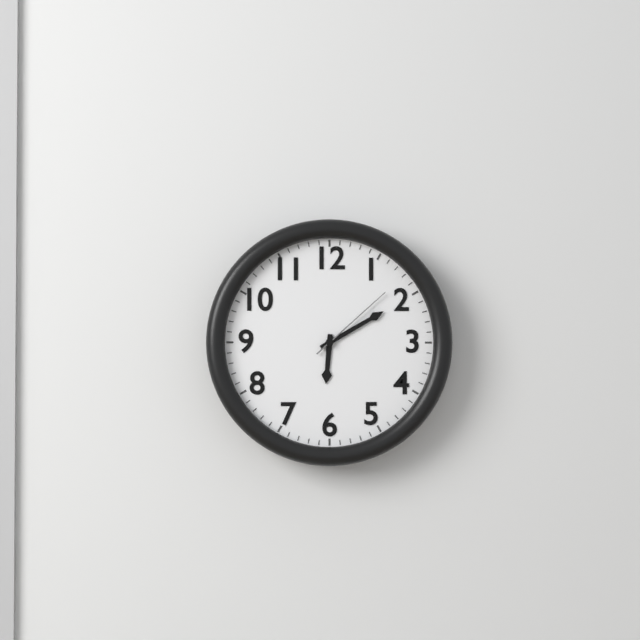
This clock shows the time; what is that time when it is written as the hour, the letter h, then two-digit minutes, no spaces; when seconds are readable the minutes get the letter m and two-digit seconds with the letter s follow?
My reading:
6h10m08s
